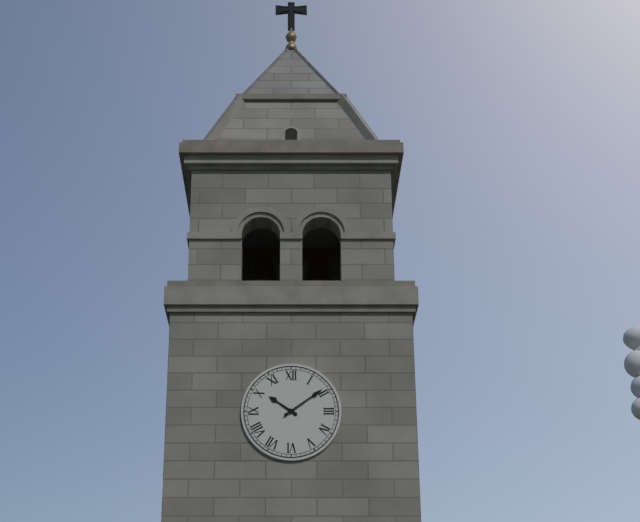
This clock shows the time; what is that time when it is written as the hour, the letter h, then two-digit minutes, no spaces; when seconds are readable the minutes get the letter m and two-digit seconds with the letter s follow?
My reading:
10h09
